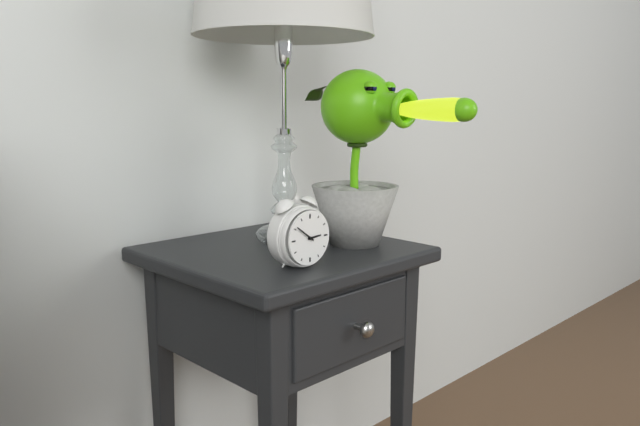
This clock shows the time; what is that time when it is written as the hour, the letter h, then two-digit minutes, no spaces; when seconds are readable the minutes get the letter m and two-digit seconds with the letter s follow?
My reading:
2h51
